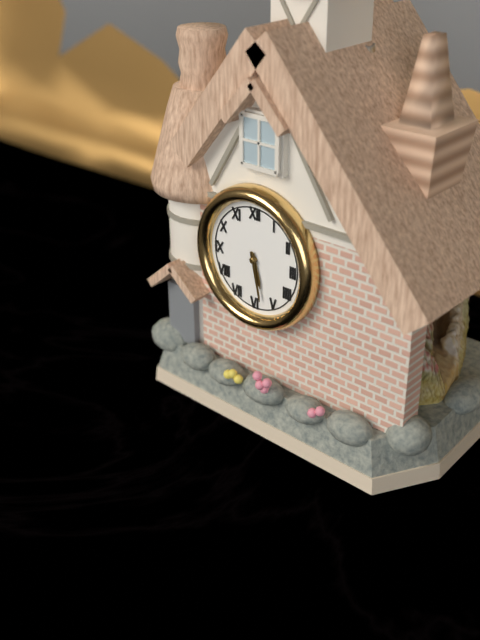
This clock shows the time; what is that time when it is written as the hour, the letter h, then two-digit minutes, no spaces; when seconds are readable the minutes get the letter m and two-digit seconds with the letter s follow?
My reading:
5h28
